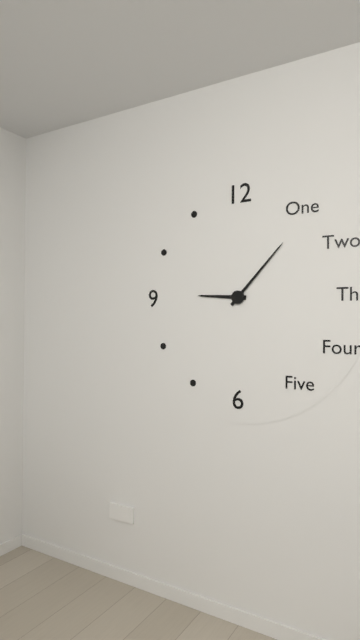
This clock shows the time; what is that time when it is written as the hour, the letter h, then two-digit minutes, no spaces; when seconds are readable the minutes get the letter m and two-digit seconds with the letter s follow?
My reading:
9h07
